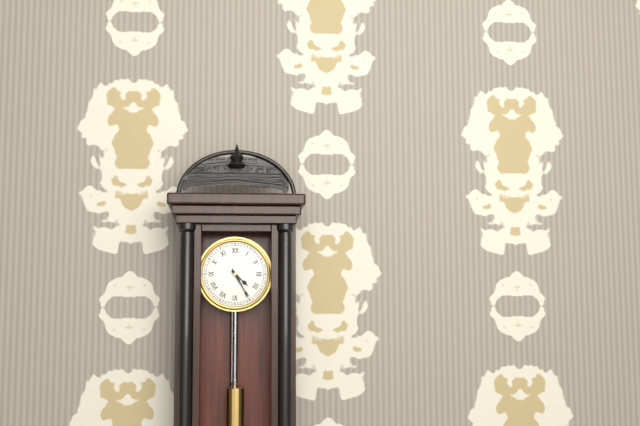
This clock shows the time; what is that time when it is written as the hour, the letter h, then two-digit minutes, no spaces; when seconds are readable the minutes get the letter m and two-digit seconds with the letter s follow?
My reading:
4h25
